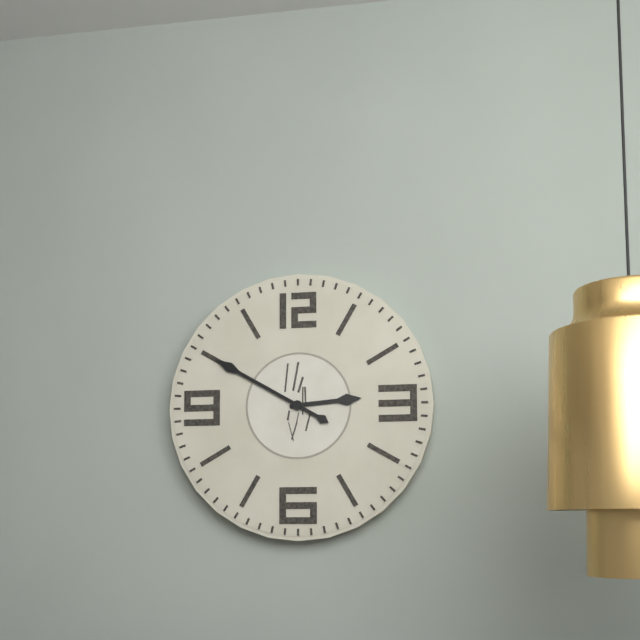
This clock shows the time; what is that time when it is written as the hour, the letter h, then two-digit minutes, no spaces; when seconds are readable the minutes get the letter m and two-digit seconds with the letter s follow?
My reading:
2h50
